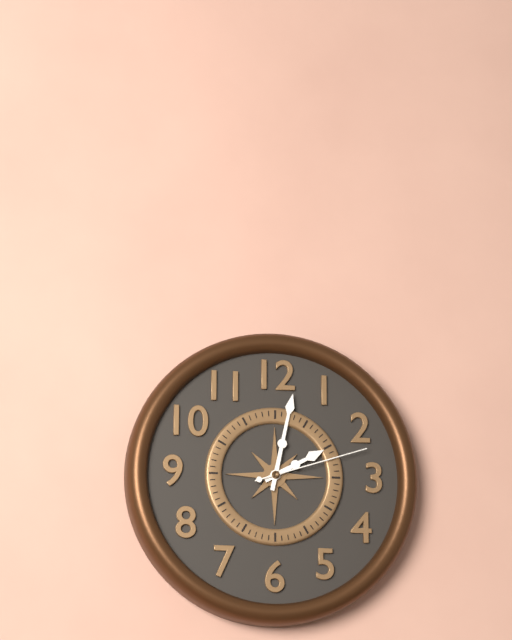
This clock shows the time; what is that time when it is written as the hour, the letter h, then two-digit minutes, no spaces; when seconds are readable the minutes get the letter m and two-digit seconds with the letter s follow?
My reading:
2h02m12s
